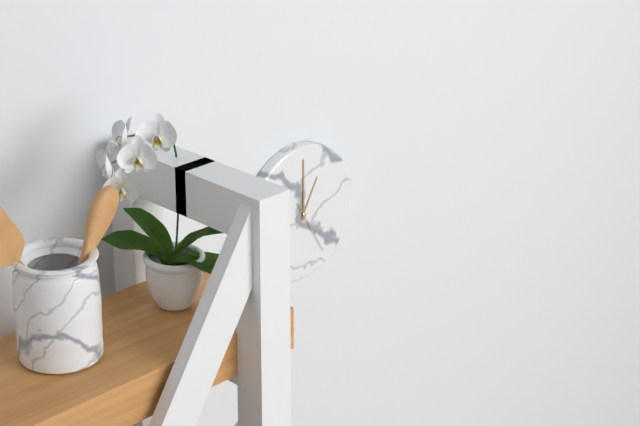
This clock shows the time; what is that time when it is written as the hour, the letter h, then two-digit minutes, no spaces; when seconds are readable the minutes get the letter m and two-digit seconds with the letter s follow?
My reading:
1h00m25s
